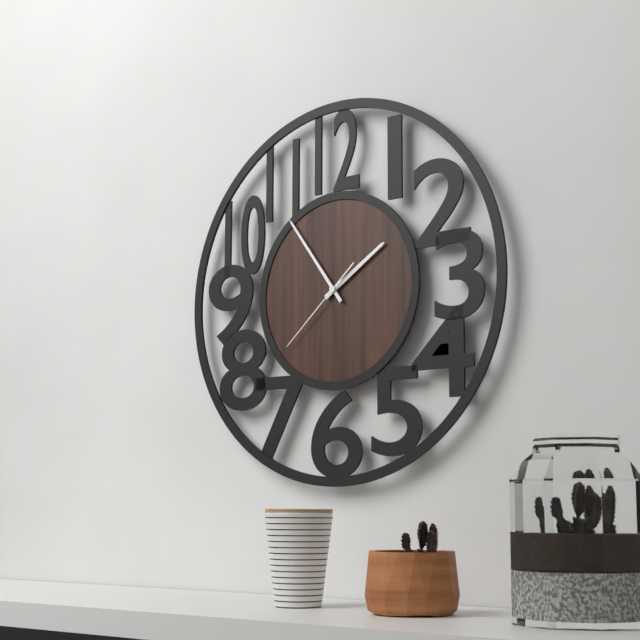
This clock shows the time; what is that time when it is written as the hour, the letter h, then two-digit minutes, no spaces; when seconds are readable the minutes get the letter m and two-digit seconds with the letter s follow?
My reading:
1h54m38s
